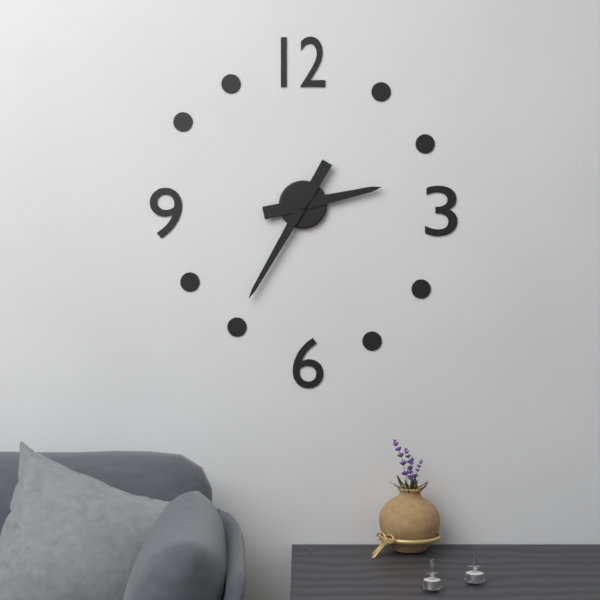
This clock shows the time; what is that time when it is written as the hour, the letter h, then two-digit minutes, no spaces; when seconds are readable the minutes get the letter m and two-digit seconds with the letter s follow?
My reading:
2h35
